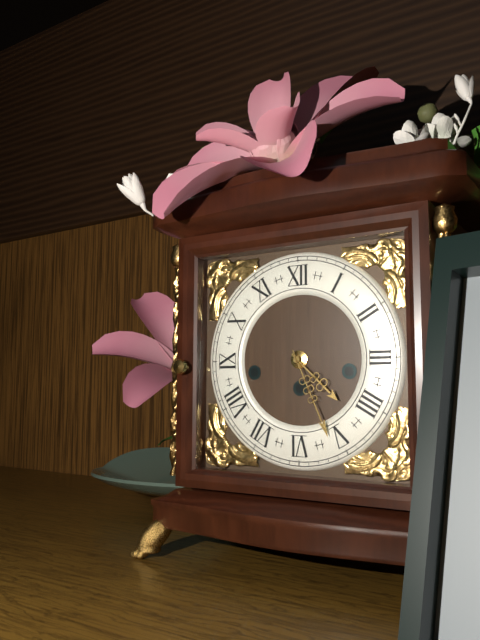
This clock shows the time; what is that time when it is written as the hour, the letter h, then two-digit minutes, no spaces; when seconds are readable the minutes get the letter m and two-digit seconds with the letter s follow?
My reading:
4h26
